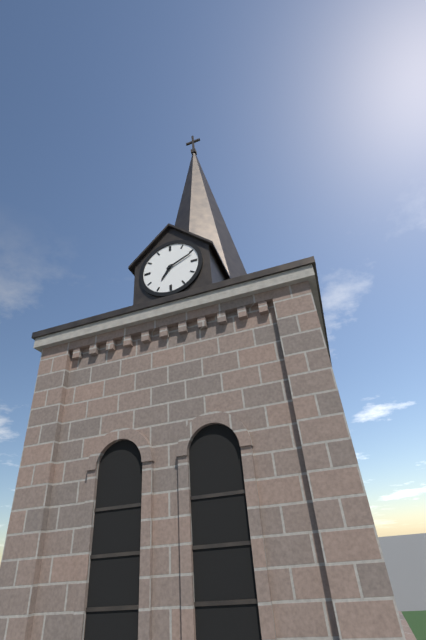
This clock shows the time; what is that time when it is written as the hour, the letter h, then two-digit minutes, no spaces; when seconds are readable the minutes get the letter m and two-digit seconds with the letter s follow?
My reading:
7h11
